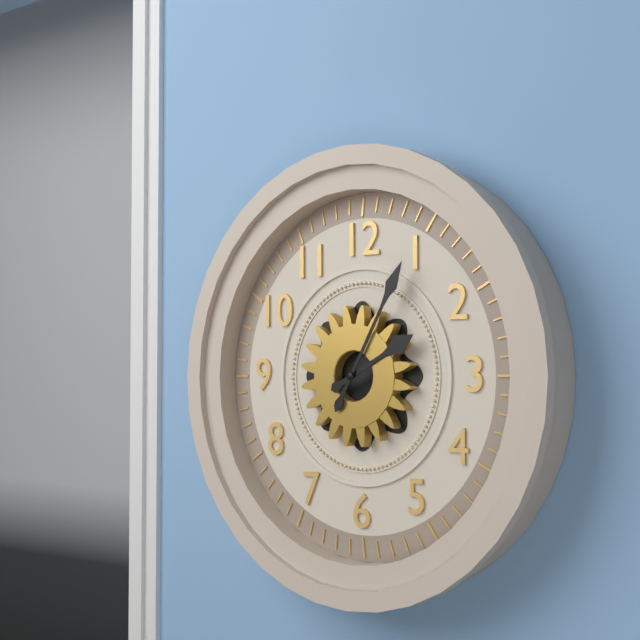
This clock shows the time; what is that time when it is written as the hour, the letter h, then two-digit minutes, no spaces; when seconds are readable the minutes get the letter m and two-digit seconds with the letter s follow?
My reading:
2h05
